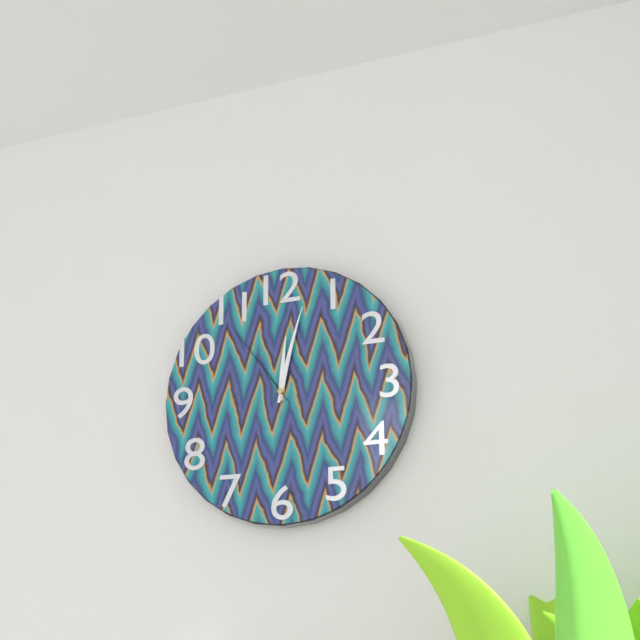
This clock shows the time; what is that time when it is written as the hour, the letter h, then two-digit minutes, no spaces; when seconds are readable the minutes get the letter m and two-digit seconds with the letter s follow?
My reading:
12h02m54s
